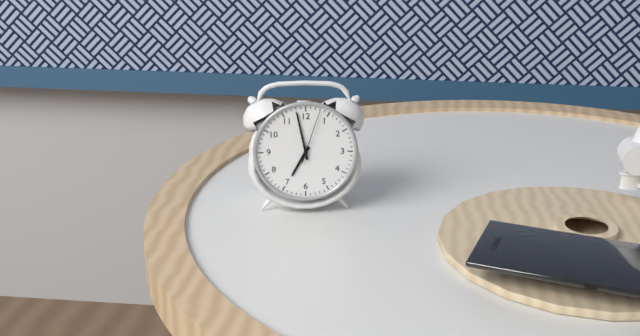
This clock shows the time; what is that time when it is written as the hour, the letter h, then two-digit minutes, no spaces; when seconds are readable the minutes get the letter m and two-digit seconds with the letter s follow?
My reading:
6h58m03s
